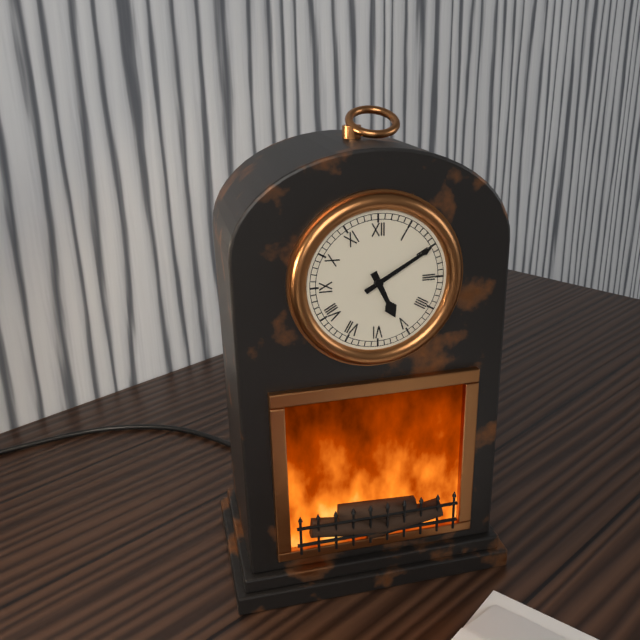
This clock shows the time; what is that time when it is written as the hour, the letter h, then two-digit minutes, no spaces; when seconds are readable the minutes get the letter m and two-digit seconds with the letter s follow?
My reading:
5h10
